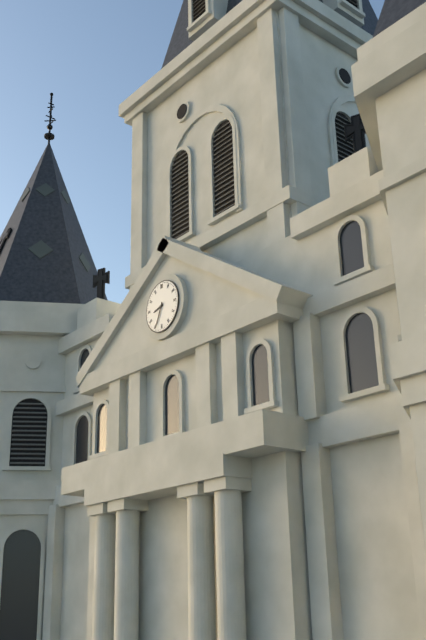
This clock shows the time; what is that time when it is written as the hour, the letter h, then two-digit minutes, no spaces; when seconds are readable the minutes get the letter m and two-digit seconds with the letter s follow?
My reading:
8h34
